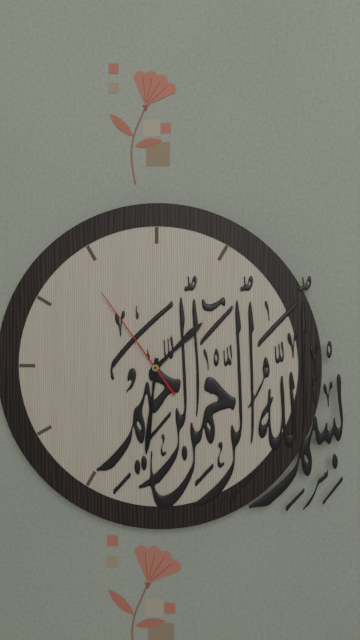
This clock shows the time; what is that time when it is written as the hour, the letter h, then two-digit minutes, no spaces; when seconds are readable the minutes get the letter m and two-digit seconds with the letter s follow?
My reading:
1h31m54s
